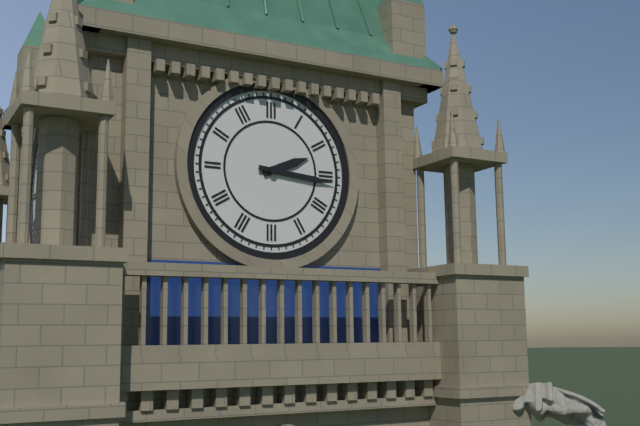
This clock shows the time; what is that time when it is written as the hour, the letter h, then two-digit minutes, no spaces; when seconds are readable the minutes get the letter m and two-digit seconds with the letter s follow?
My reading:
2h16
